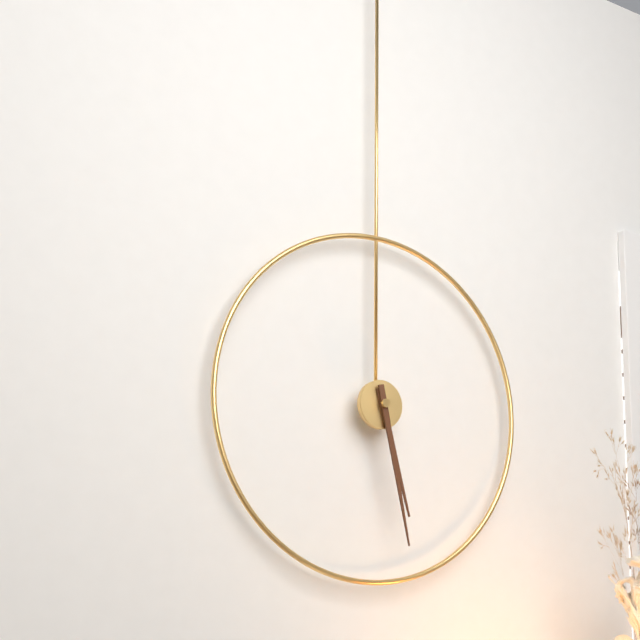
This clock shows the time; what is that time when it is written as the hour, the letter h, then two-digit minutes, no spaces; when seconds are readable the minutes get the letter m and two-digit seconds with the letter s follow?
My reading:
5h28
